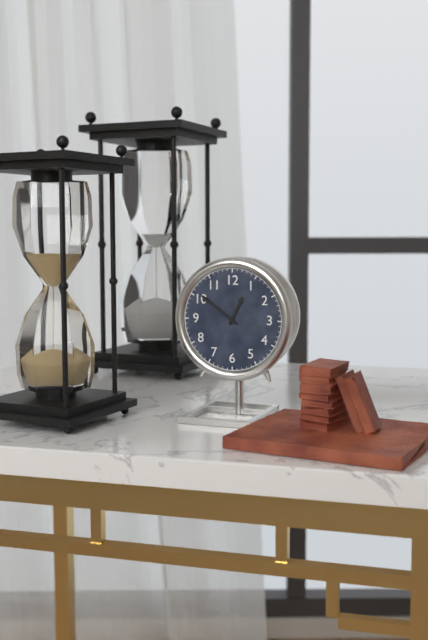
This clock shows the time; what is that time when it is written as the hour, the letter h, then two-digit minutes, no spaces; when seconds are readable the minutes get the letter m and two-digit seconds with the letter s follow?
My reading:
12h51
